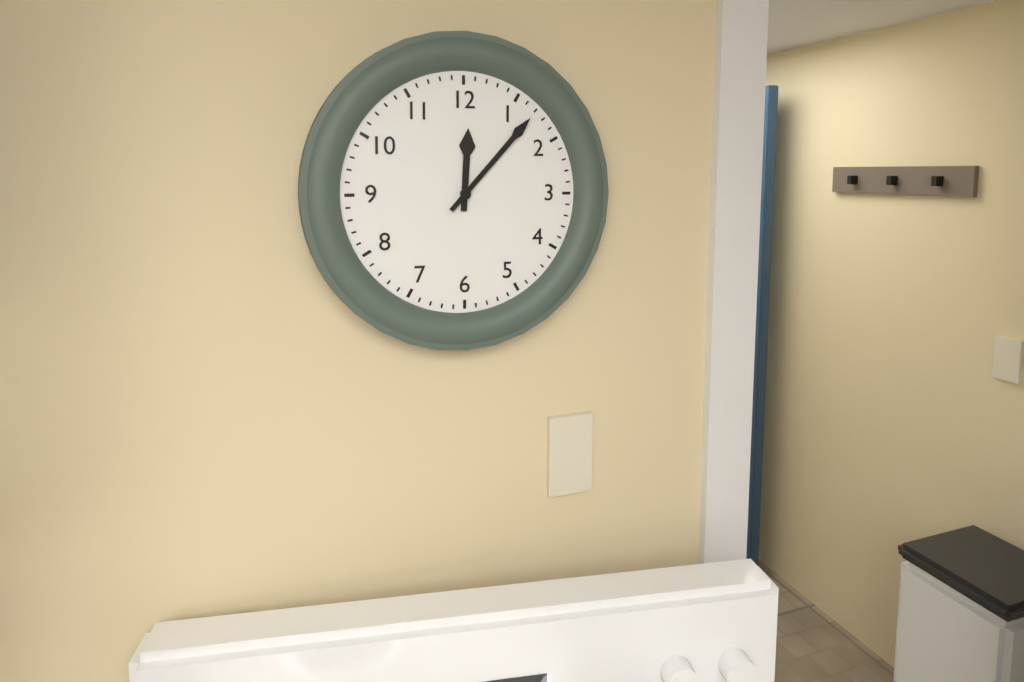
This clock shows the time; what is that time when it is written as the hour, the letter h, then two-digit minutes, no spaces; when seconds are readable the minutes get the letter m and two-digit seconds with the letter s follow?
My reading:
12h07
